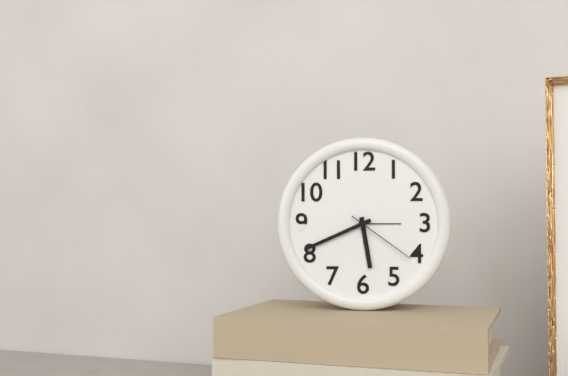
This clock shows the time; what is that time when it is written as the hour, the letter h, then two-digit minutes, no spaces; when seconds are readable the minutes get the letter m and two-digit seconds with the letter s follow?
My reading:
5h41m21s
